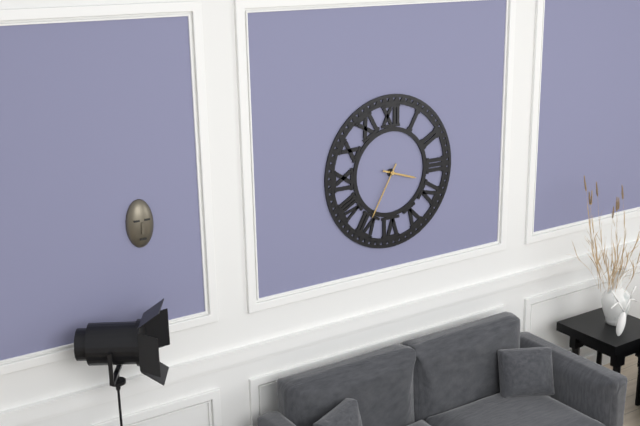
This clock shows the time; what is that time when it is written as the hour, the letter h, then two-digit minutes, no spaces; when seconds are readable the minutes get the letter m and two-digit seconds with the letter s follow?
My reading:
3h35
